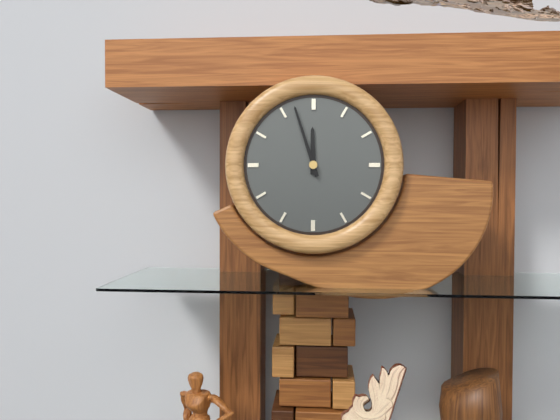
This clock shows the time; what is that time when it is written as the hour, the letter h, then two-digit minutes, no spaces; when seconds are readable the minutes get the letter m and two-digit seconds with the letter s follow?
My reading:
11h57
